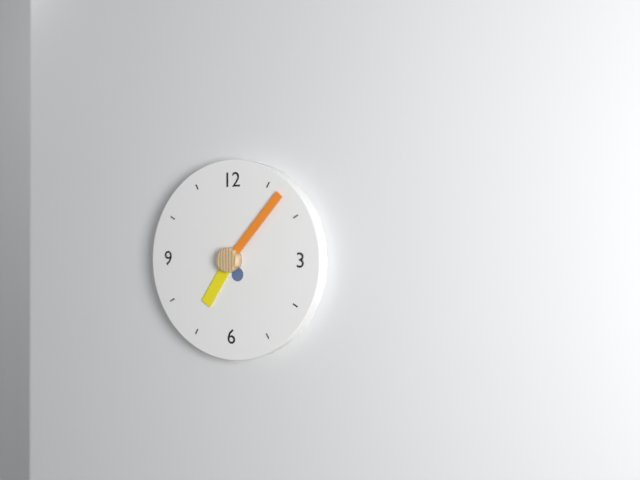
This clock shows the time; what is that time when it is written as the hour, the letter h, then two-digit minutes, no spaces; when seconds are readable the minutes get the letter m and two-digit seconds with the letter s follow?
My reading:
7h07
